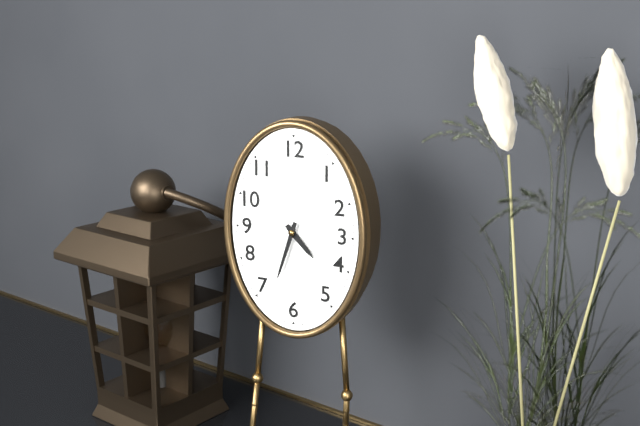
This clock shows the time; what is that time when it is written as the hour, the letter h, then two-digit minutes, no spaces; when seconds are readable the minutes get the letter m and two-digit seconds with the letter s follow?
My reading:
4h33
